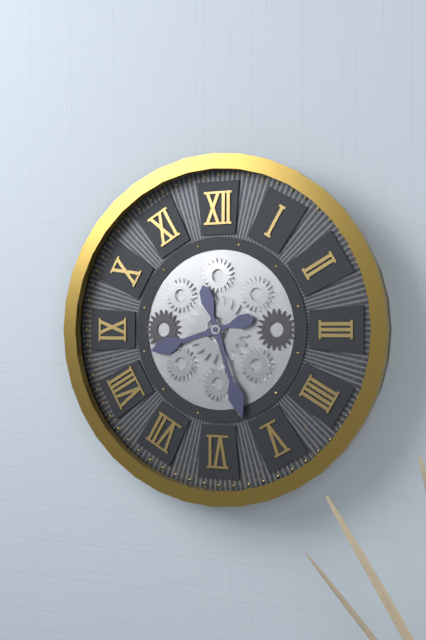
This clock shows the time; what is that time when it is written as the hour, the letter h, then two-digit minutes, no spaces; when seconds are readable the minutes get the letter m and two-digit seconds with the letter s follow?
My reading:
8h27
